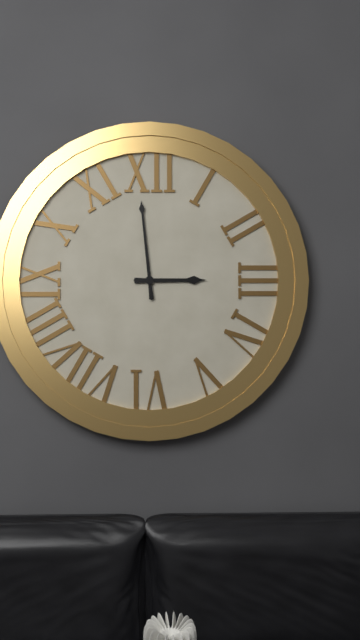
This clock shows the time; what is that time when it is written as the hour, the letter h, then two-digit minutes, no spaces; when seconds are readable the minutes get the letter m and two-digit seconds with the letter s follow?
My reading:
2h59
